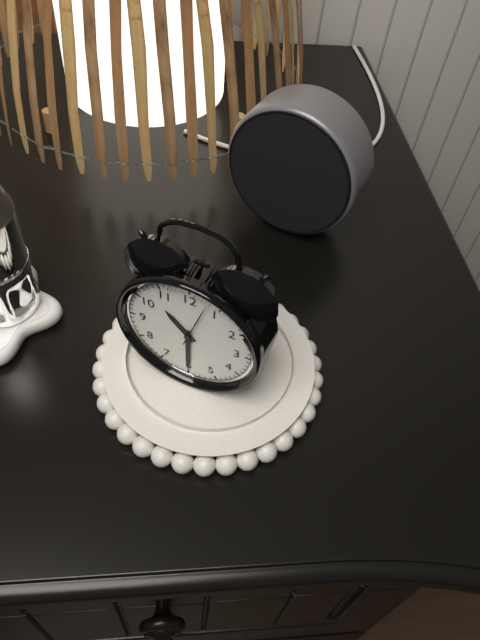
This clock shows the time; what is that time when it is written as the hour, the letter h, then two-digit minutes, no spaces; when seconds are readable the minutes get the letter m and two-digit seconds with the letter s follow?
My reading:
10h30
